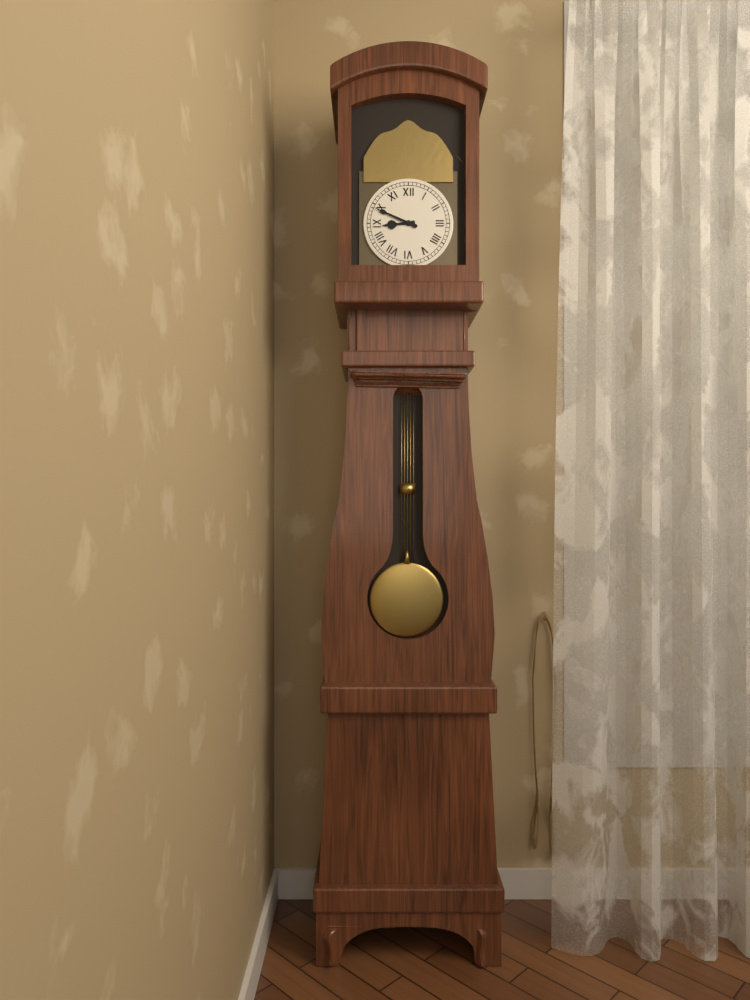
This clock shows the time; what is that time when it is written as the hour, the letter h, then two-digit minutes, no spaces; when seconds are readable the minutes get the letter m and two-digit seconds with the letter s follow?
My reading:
8h49
